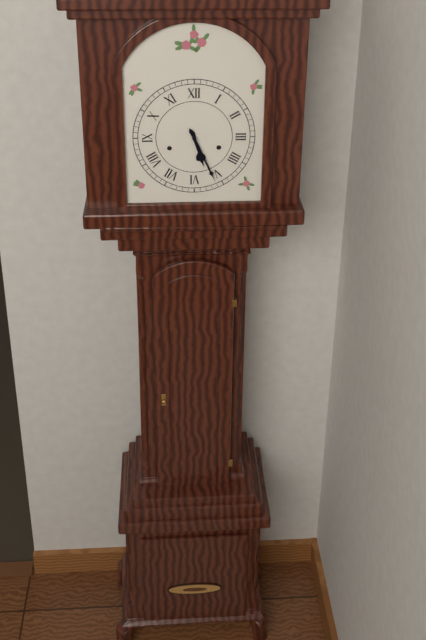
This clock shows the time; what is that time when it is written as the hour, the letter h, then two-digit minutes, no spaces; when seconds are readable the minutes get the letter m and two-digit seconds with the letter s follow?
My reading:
5h26
